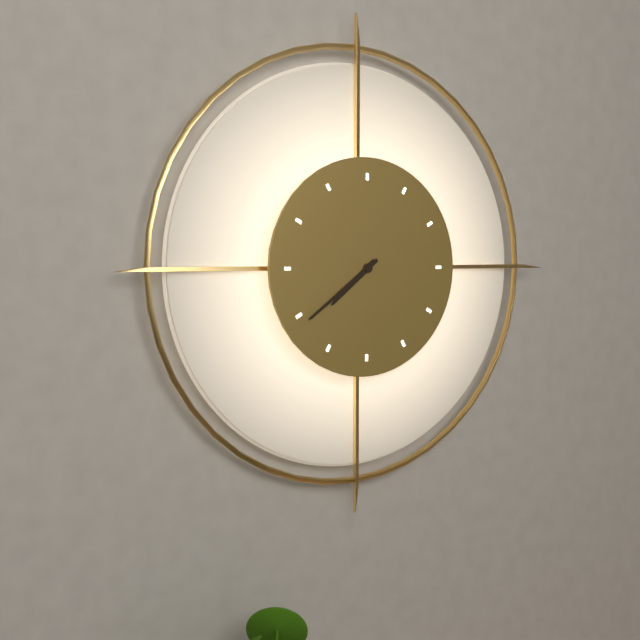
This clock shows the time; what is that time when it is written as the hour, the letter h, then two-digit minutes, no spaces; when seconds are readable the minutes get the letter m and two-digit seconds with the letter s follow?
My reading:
7h39
